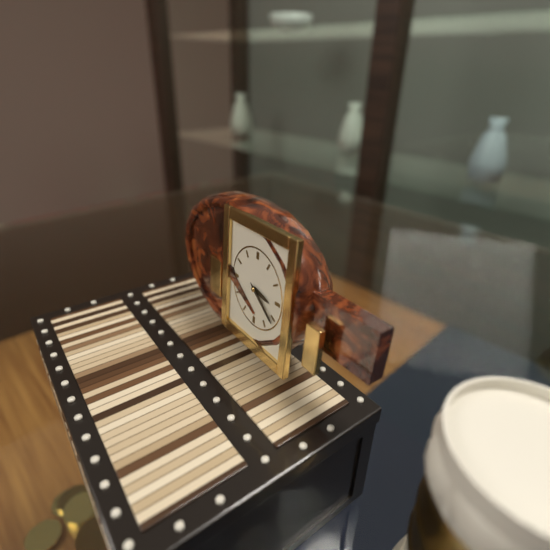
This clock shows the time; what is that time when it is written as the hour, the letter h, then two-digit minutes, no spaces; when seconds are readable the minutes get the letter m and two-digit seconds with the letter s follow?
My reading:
3h21
